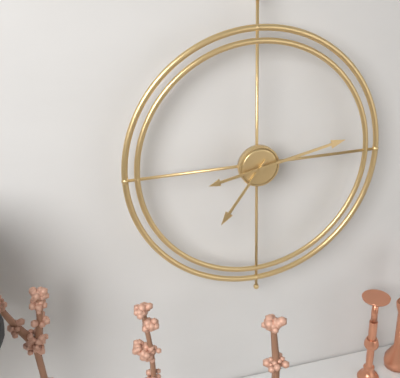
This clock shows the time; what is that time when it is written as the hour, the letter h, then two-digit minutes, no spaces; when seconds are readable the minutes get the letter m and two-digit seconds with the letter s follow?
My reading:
7h13
